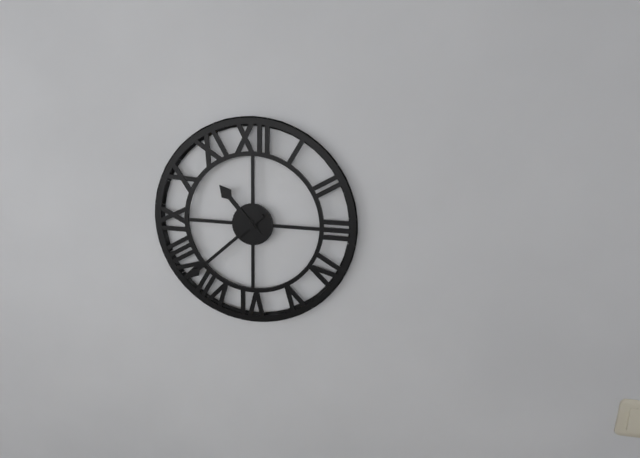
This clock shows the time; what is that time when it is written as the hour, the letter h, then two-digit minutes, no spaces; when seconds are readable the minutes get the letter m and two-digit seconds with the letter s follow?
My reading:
10h38
